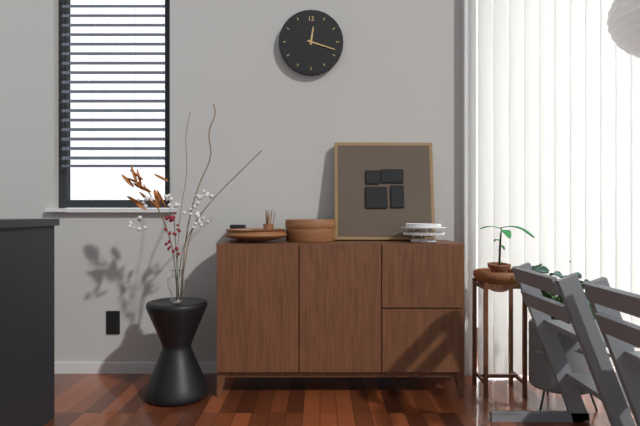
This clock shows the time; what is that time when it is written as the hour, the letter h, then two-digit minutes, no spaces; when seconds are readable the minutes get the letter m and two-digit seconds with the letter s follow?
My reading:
12h18
